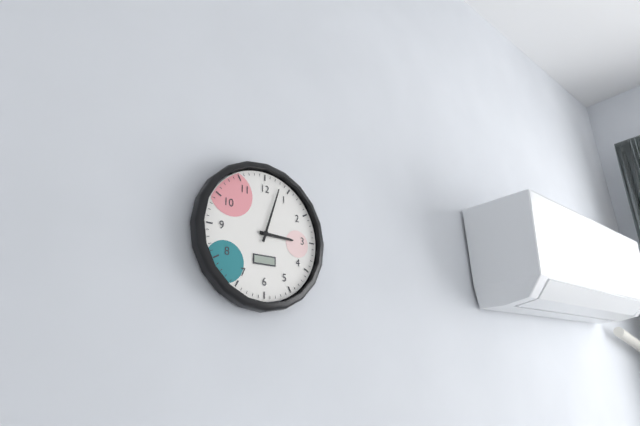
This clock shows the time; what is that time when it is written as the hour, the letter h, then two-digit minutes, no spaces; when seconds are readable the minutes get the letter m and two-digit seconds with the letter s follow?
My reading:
3h03
